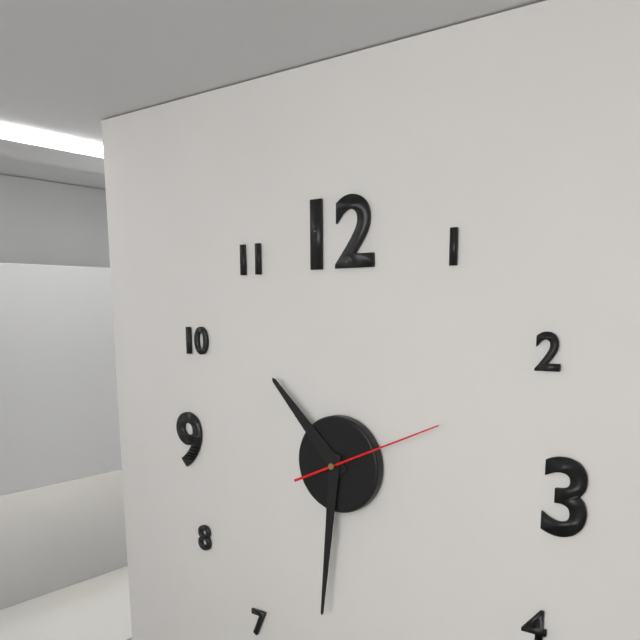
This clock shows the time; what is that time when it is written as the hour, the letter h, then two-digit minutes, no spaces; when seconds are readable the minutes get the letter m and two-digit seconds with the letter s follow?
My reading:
10h31m11s
